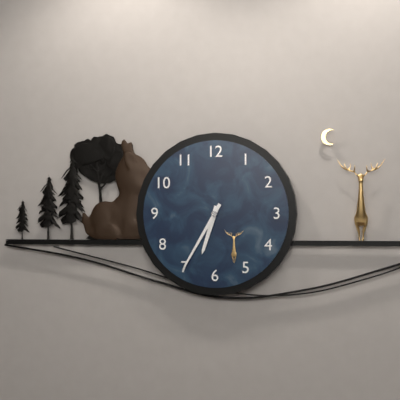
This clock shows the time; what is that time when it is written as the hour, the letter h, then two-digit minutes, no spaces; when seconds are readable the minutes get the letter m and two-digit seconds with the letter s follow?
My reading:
6h35
